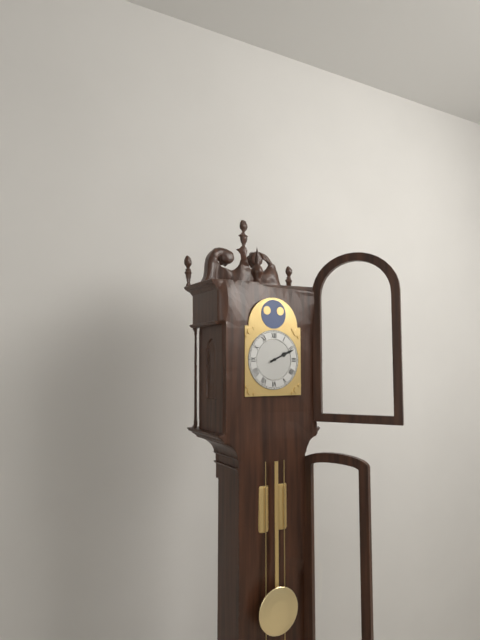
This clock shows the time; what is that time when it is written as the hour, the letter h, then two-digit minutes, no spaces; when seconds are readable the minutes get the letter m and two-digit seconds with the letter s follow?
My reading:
2h11
